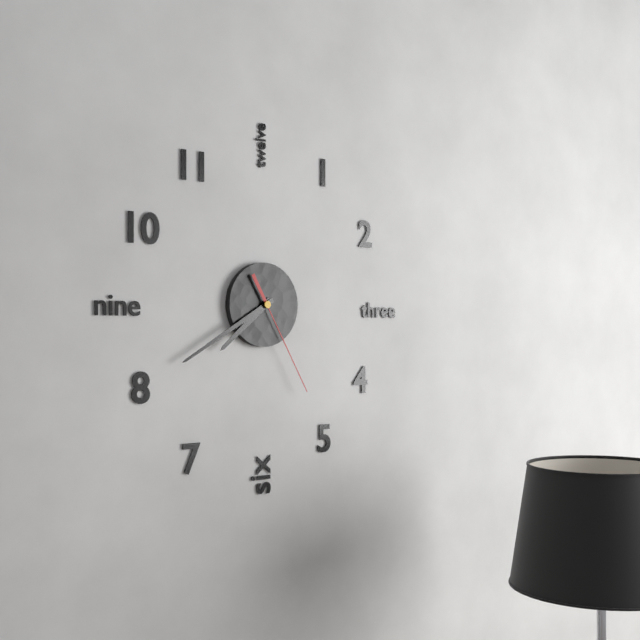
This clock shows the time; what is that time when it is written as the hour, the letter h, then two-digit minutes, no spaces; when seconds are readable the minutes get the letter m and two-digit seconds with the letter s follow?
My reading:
7h40m25s
